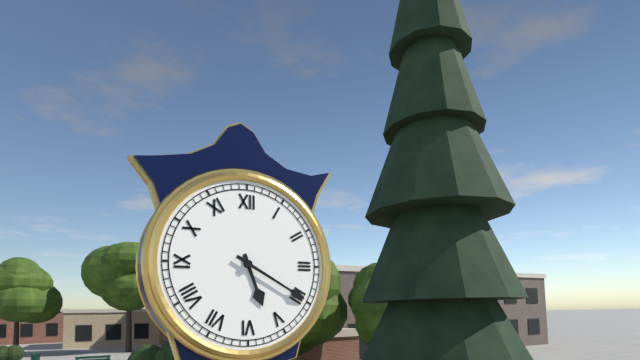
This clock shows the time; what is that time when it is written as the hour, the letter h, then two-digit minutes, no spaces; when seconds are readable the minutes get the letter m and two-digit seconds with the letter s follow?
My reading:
5h20
